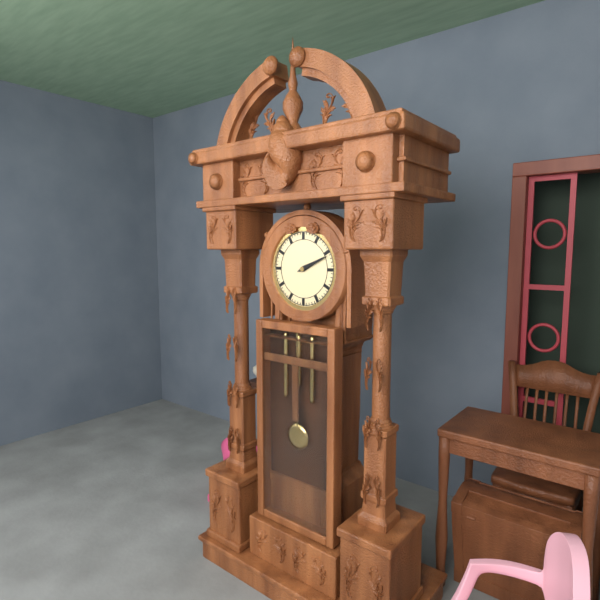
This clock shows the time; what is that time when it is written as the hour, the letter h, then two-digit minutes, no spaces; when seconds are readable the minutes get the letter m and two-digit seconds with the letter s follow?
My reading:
2h11
